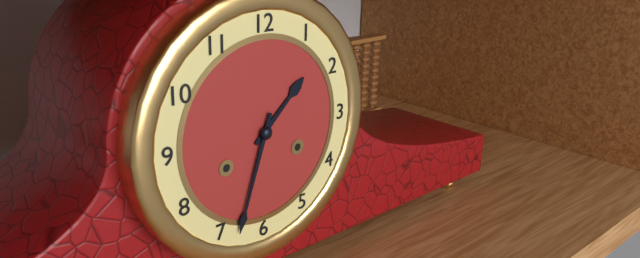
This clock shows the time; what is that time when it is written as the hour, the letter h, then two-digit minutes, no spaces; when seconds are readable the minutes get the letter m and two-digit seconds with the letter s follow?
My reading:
1h33
